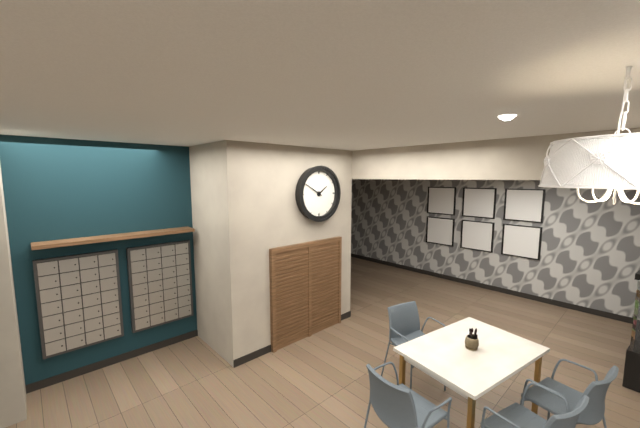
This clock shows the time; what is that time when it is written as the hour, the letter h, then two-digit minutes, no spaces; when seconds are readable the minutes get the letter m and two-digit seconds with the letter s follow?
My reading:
1h50
